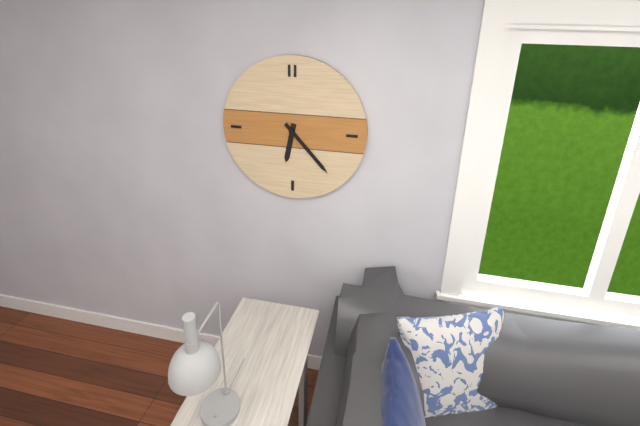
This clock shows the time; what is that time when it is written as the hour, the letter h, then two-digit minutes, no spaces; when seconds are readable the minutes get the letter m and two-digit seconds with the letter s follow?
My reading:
6h23
